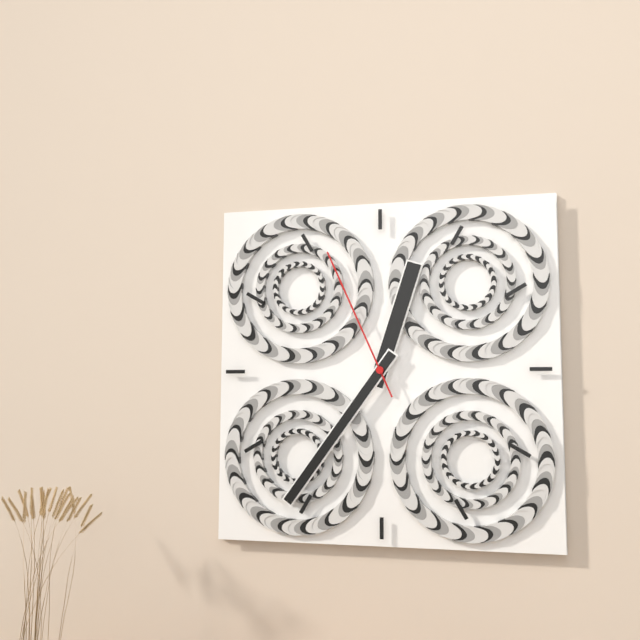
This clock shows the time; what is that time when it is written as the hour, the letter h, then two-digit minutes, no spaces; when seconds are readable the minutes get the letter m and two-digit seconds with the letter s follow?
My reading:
12h36m56s
